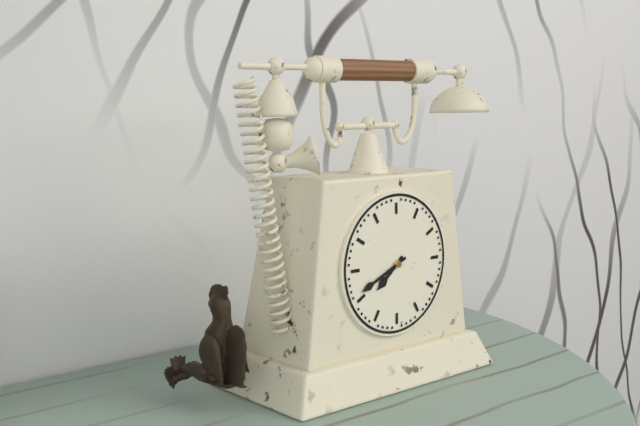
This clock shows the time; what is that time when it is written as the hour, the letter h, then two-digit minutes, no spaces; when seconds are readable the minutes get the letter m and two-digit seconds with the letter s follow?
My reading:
7h41
